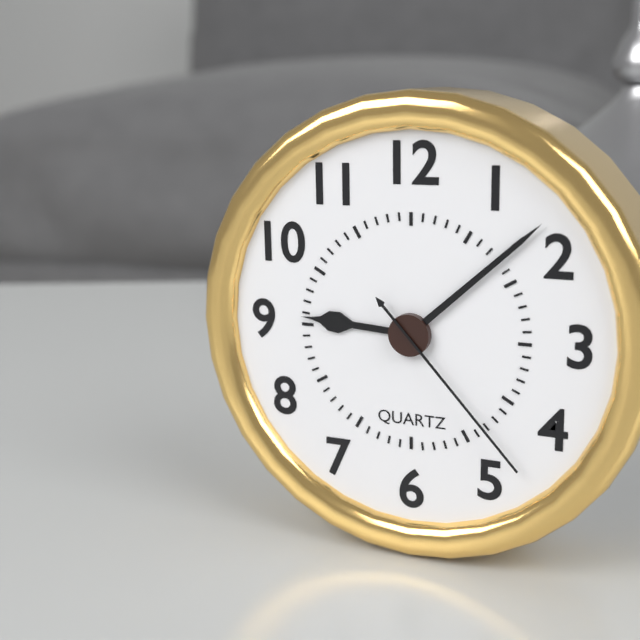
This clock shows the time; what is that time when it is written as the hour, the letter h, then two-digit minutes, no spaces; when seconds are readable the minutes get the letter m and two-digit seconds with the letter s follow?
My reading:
9h08m23s
